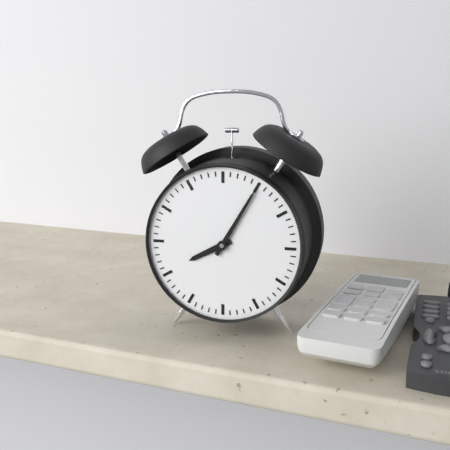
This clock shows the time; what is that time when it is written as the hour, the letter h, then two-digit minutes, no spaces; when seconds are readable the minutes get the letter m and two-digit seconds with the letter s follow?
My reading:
8h05
